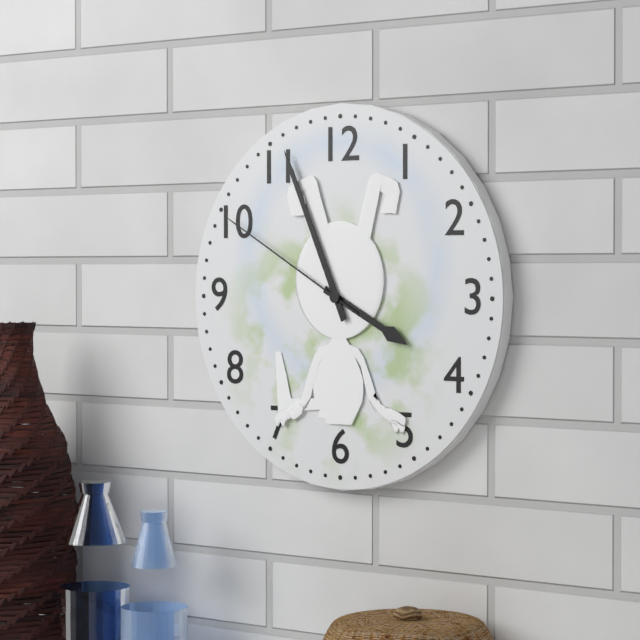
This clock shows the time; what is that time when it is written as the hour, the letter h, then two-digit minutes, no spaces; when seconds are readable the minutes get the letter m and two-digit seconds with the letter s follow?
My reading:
3h56m50s
